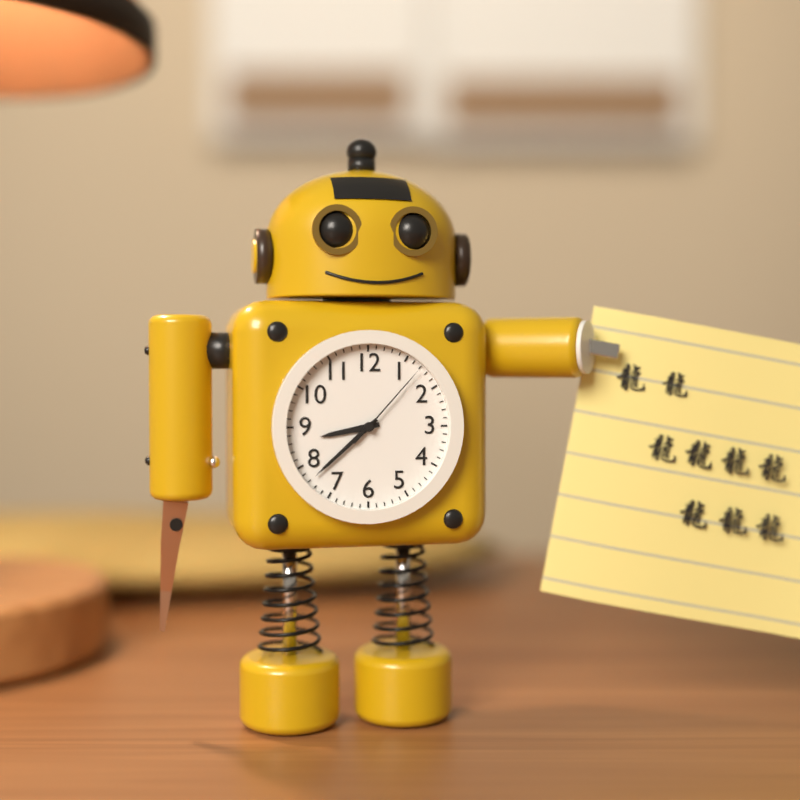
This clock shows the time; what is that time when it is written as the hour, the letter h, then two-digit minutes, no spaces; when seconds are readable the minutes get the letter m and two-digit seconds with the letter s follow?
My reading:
8h38m07s
